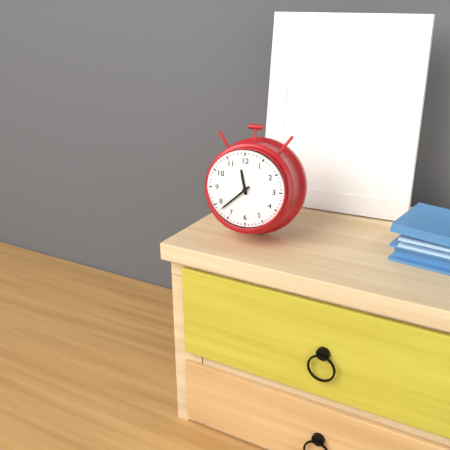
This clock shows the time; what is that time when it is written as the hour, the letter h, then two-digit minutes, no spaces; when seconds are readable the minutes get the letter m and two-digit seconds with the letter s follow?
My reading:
11h38
